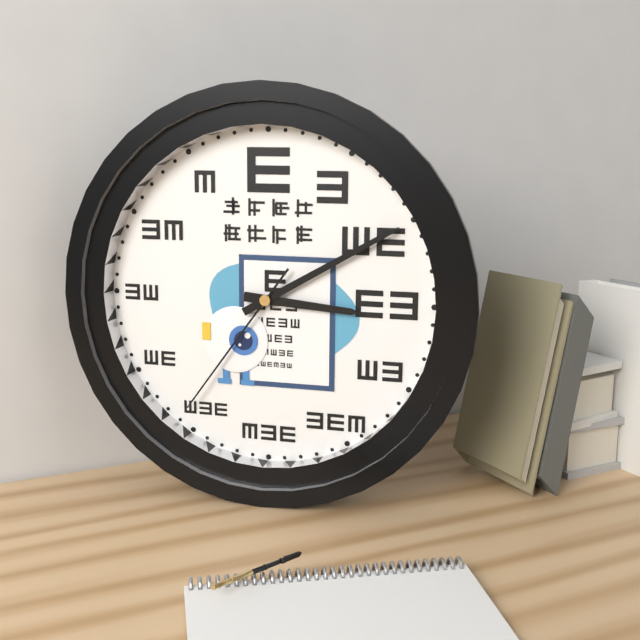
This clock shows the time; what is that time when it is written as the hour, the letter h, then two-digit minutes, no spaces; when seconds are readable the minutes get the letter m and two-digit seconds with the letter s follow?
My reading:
3h10m36s
